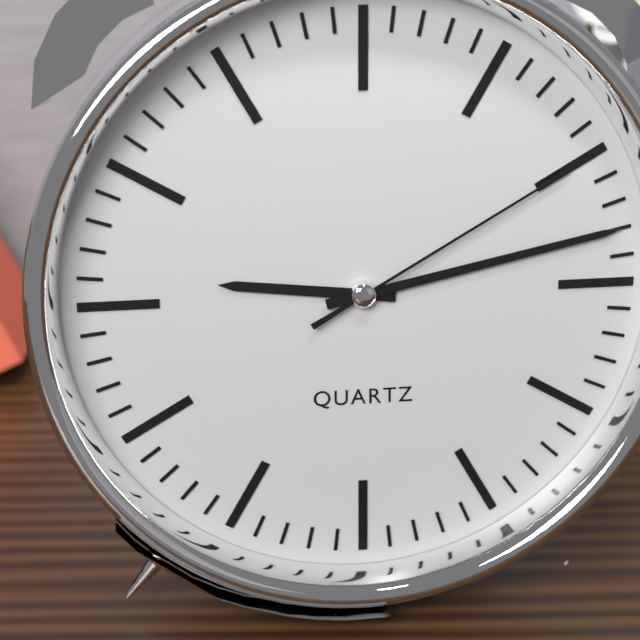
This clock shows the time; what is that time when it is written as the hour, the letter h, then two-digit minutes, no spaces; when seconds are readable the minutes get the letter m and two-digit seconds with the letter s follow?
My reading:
9h13m10s
